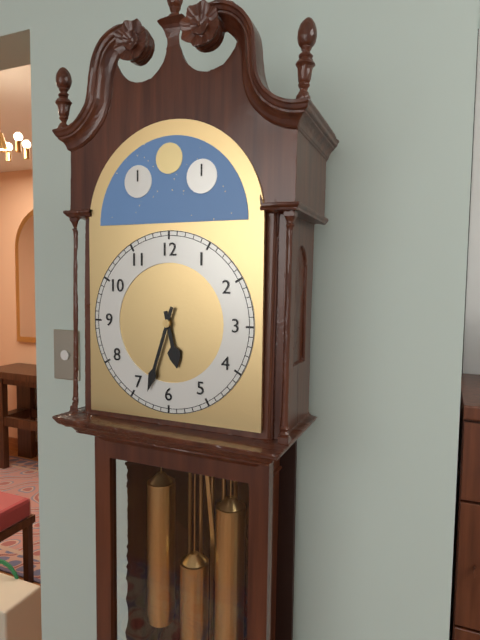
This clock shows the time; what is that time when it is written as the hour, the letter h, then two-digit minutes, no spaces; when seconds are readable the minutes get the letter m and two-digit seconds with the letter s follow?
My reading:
5h33
